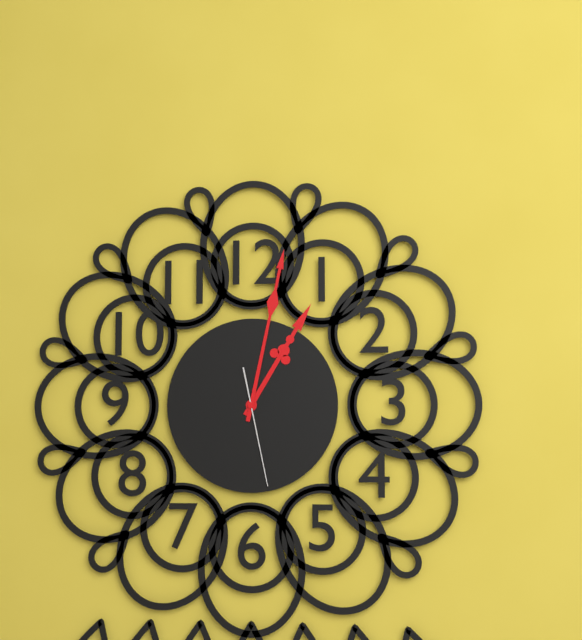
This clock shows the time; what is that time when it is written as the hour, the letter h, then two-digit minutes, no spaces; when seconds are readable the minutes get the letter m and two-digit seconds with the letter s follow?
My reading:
1h02m28s
